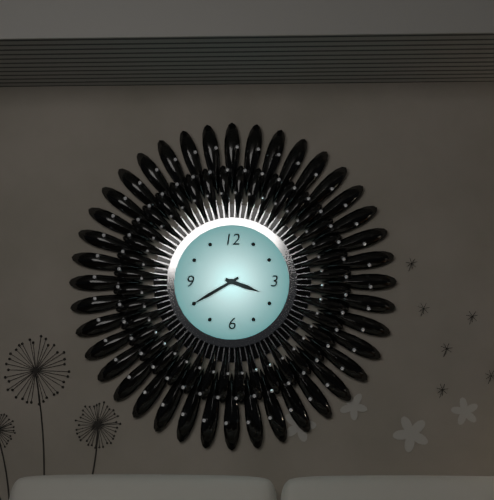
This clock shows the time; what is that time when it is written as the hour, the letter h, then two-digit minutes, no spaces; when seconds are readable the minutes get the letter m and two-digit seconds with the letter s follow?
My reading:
3h40
